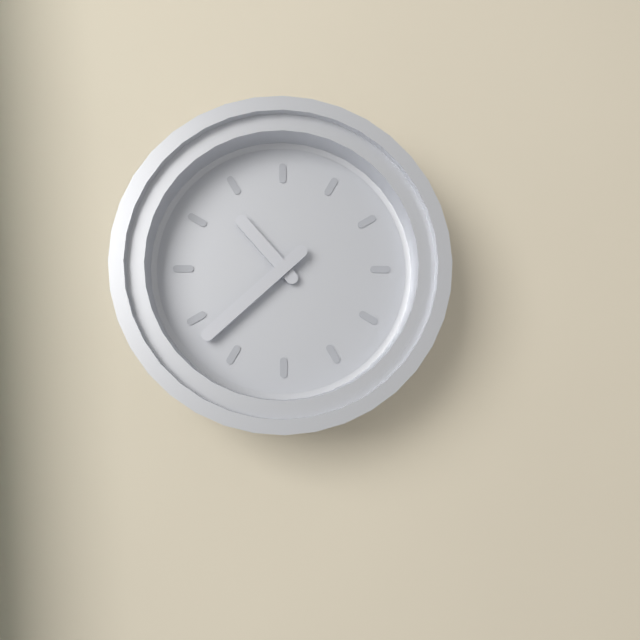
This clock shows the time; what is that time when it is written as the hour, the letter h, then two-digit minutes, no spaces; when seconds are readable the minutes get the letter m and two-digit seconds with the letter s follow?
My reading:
10h38
